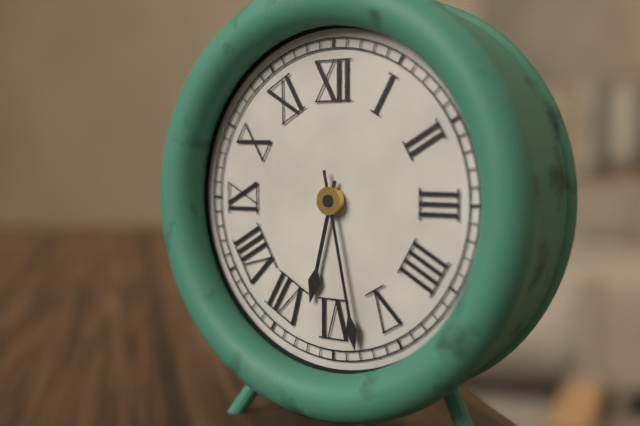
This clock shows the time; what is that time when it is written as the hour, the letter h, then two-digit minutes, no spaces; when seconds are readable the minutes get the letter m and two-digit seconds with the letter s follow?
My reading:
6h28
